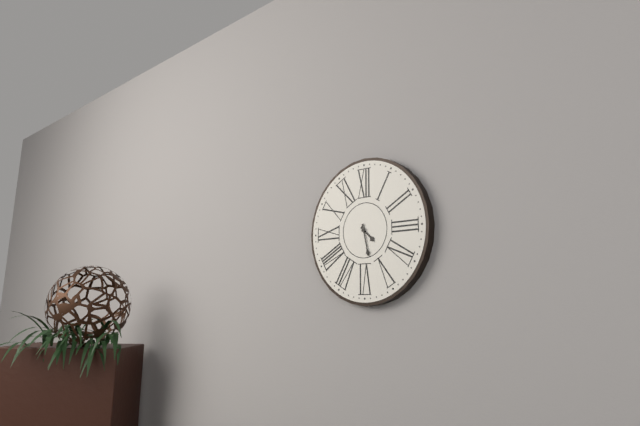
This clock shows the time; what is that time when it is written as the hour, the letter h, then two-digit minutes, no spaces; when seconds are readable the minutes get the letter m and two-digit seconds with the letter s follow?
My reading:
4h28
